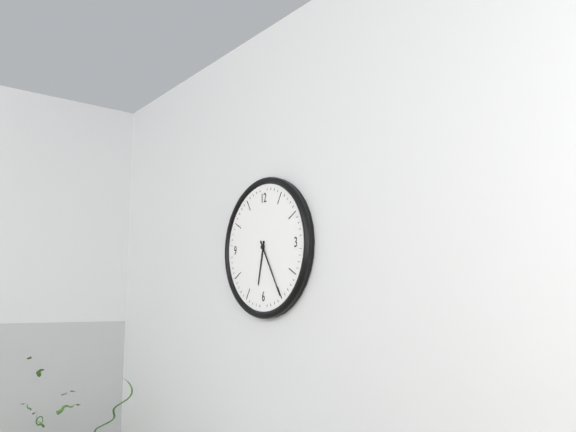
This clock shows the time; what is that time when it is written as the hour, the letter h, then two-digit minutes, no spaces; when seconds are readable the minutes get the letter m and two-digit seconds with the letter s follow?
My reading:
6h25
